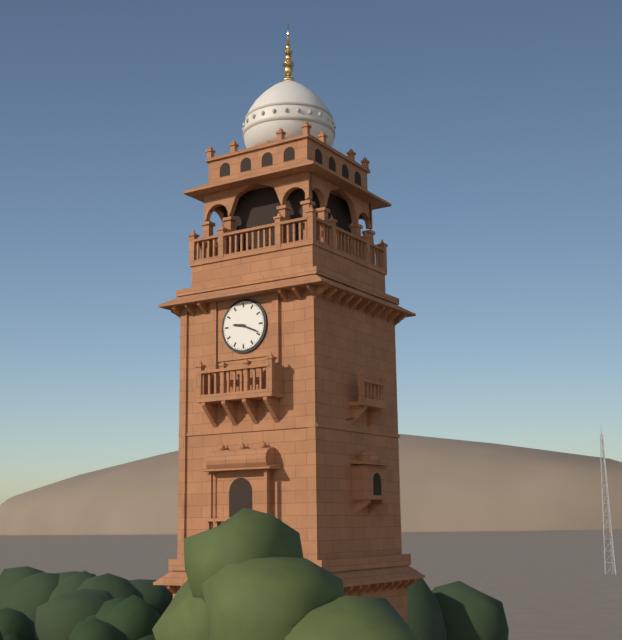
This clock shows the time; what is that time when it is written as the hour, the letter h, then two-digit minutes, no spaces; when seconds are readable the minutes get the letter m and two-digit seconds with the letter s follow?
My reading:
9h19
